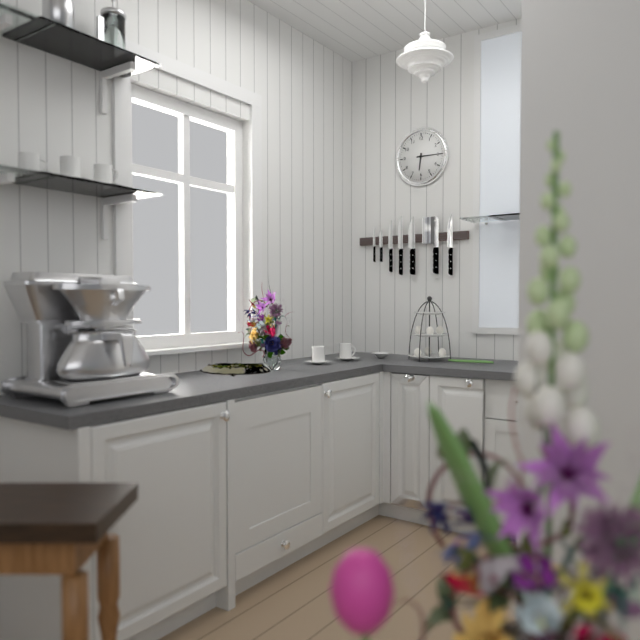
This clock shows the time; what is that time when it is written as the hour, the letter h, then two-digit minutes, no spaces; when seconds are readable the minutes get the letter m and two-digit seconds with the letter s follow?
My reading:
6h15
